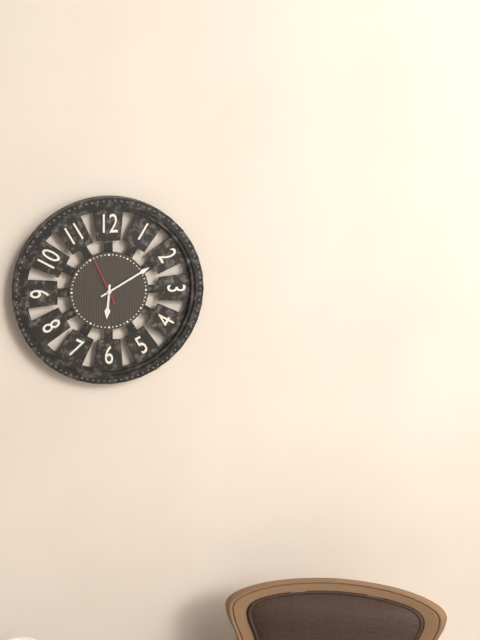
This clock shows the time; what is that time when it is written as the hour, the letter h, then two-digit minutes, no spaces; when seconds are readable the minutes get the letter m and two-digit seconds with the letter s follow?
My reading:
6h10
